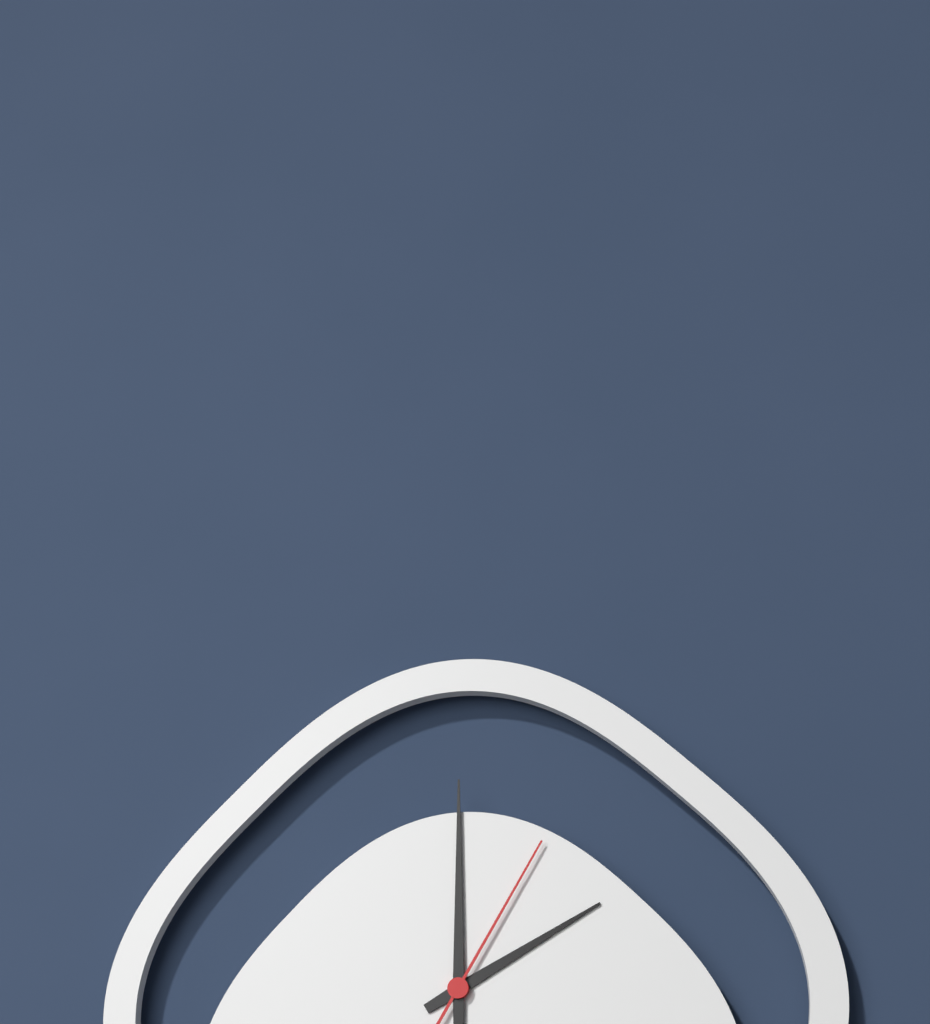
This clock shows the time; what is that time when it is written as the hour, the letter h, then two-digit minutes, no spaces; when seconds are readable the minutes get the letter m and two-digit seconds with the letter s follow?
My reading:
2h00m05s
